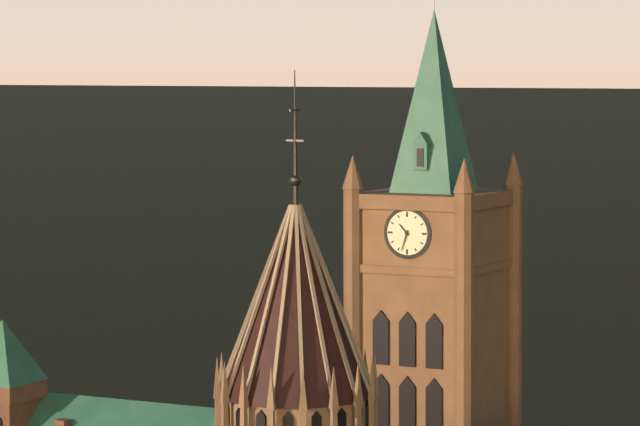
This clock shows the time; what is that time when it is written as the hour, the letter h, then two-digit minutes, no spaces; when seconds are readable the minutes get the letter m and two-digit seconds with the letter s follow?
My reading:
10h33
